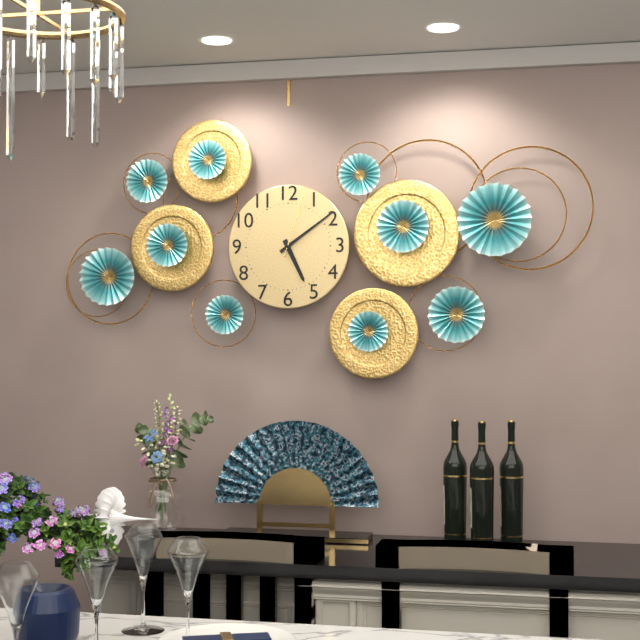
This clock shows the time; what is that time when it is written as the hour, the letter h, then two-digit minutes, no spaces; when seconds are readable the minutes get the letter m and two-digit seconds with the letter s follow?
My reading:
5h09m03s
